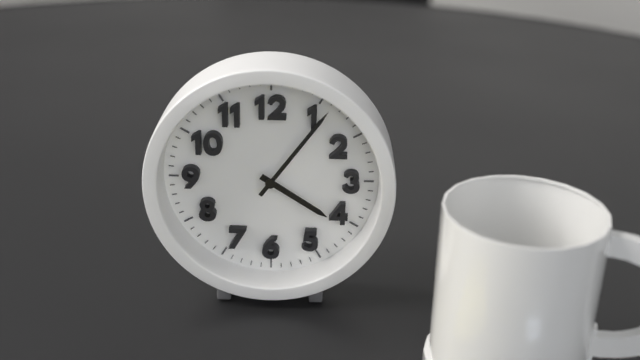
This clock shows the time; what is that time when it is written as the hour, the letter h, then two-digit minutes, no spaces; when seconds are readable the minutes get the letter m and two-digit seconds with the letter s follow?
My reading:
4h06
